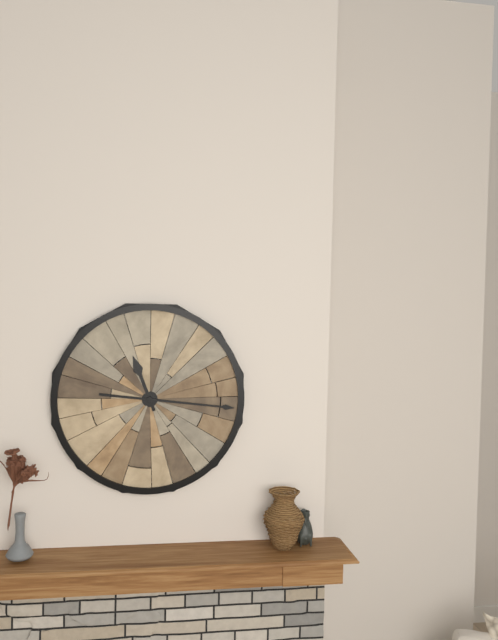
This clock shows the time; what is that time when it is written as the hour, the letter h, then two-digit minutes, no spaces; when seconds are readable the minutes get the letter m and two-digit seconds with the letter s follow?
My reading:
11h16
